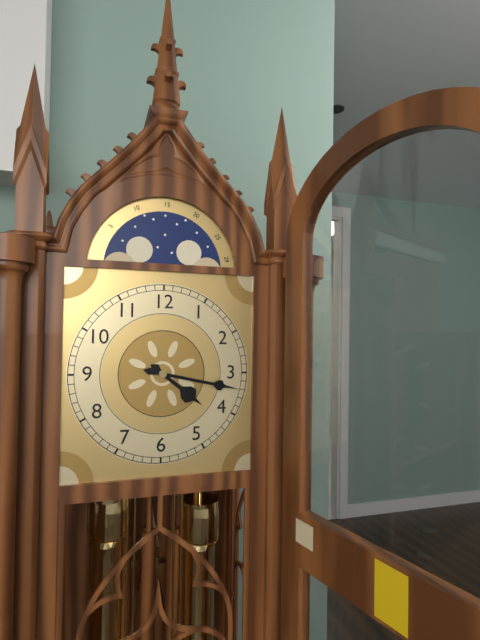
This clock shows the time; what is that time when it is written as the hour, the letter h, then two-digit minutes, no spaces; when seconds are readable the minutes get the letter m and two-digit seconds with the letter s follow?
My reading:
4h17
